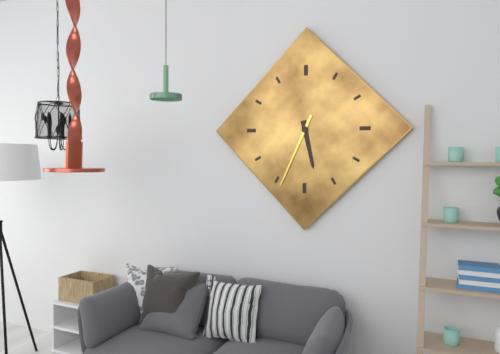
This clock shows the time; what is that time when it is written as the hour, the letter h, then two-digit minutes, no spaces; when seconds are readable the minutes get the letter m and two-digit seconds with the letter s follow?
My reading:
5h34
